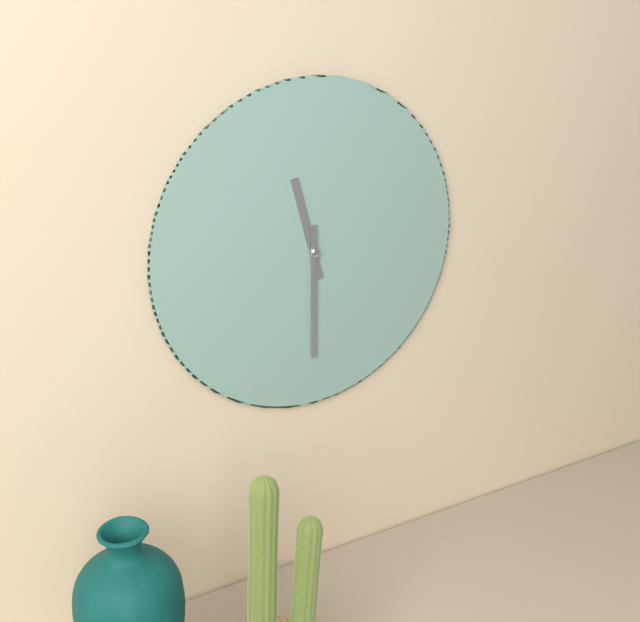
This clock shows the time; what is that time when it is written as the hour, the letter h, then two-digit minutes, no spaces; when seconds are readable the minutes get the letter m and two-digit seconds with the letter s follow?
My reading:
11h30
